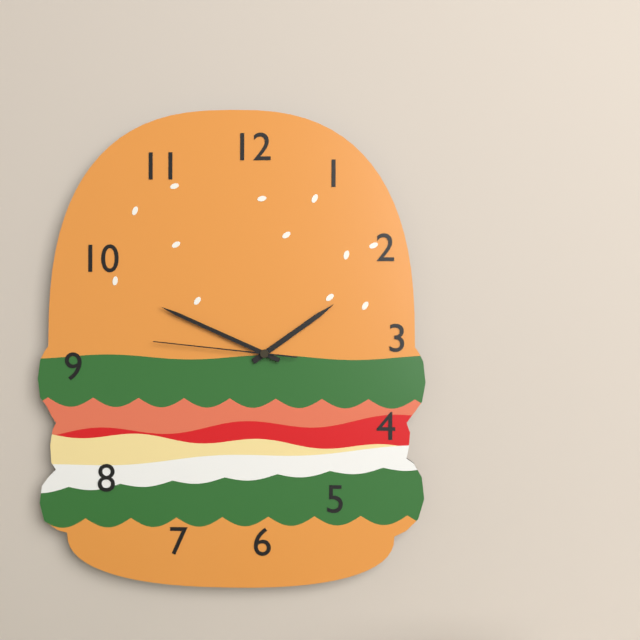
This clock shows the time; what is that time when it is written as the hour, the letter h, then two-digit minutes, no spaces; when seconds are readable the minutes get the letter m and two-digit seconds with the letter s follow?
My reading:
1h49m46s
